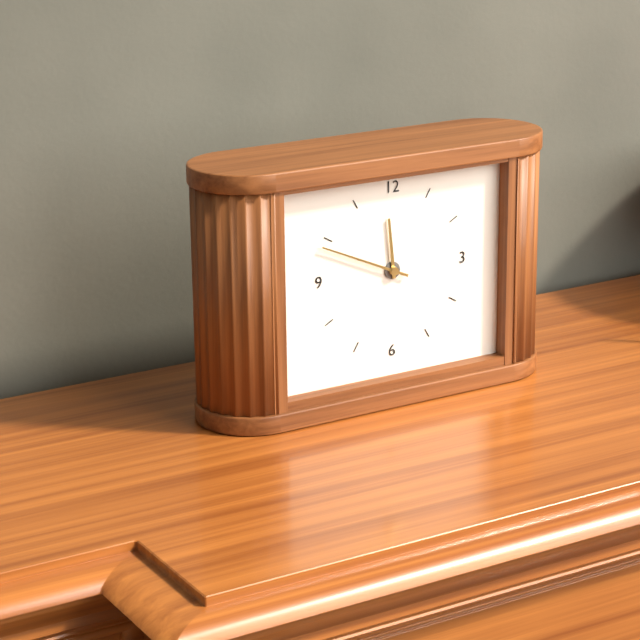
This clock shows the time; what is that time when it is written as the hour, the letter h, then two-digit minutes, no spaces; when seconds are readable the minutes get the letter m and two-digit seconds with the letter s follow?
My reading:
11h49
